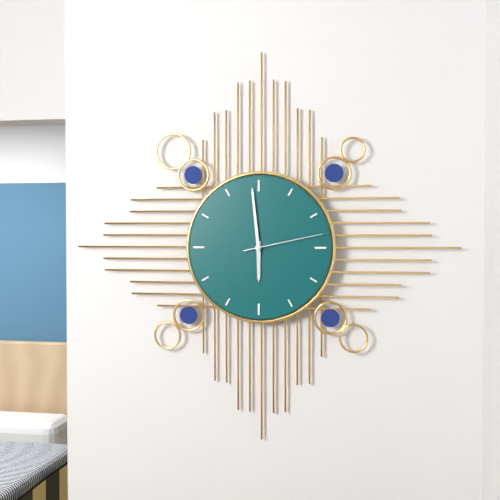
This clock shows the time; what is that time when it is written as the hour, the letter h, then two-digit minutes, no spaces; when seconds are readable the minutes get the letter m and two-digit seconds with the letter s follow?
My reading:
5h59m13s
